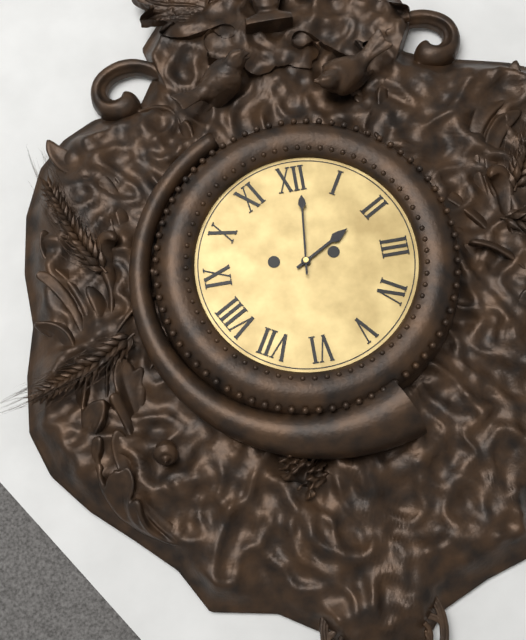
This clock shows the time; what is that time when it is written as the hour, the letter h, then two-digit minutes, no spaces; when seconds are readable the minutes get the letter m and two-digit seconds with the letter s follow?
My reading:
2h01
